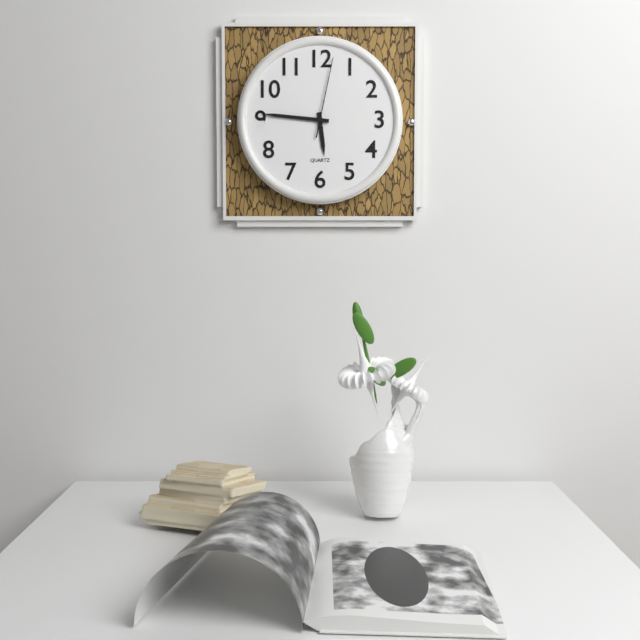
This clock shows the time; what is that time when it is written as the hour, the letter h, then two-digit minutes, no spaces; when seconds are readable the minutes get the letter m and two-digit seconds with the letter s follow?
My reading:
5h46m02s
